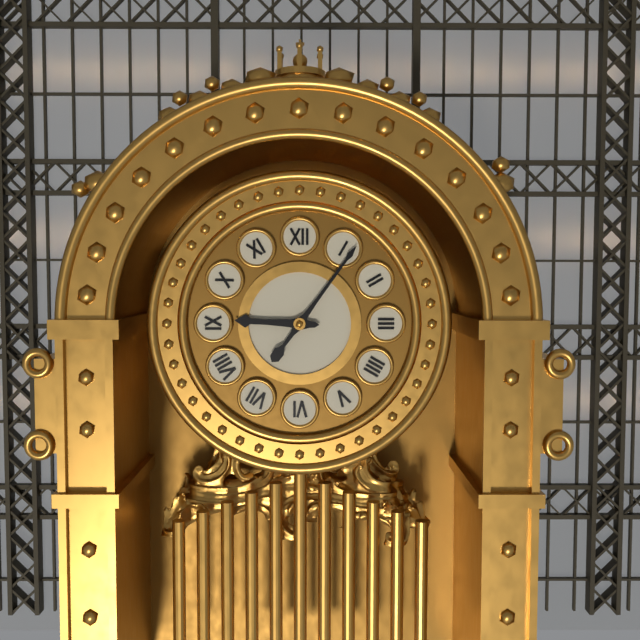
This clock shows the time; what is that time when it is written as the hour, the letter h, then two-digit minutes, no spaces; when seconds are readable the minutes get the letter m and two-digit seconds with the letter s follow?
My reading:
9h06
